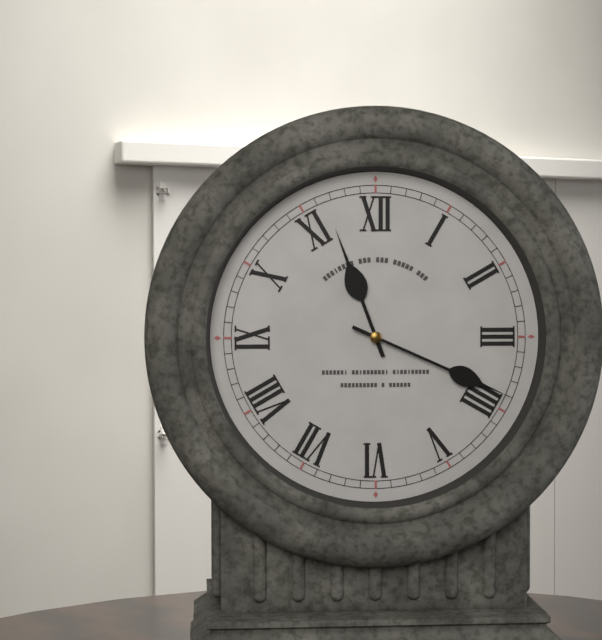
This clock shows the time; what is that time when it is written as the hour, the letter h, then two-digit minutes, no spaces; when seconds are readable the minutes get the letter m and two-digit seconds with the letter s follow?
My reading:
11h19
